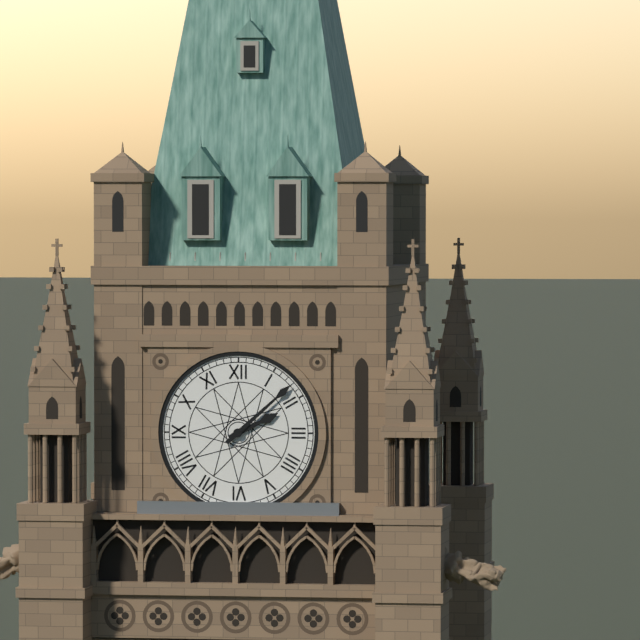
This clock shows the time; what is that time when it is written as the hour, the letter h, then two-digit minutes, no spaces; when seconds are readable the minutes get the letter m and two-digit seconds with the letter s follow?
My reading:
2h08
